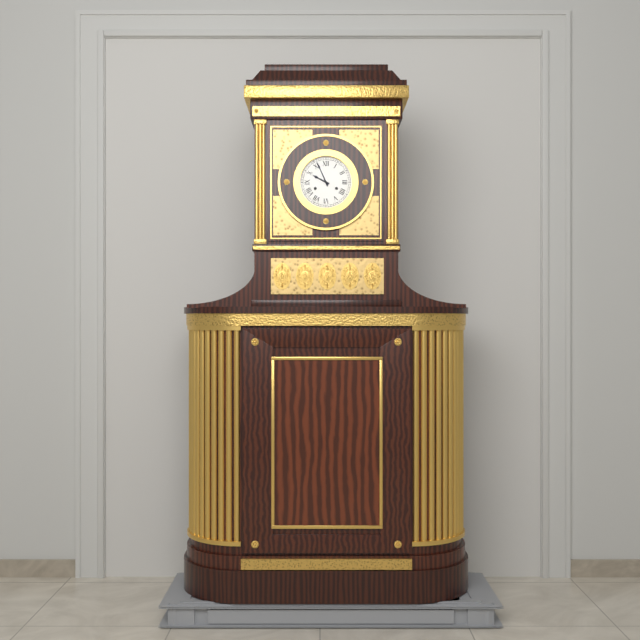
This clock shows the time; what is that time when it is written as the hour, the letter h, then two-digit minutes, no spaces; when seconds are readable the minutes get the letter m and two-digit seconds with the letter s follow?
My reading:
9h56
